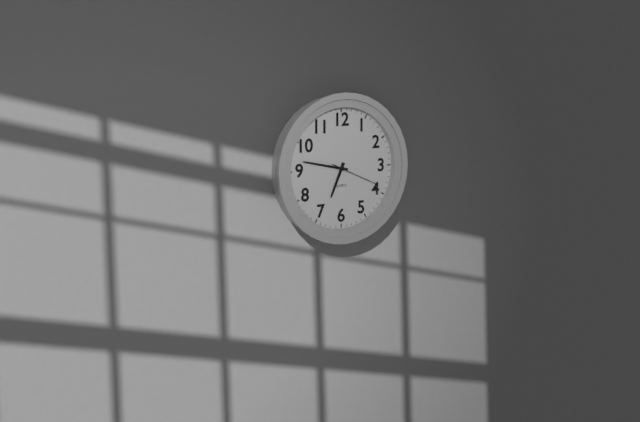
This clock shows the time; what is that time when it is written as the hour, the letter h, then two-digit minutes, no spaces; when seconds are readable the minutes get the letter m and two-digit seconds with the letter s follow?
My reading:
6h47m19s
